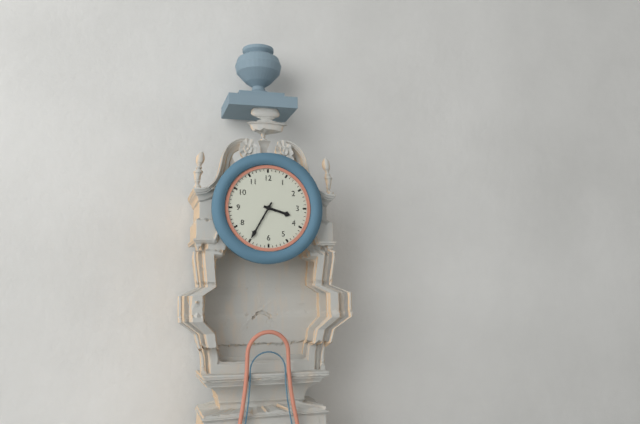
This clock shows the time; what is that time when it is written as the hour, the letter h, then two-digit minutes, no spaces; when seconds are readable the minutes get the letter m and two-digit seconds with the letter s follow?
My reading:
3h35
